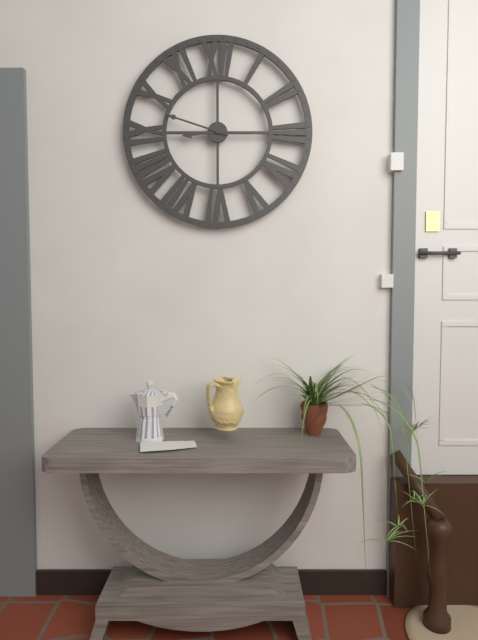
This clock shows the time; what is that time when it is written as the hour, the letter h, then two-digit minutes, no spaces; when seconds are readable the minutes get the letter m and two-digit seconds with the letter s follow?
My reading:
8h48
